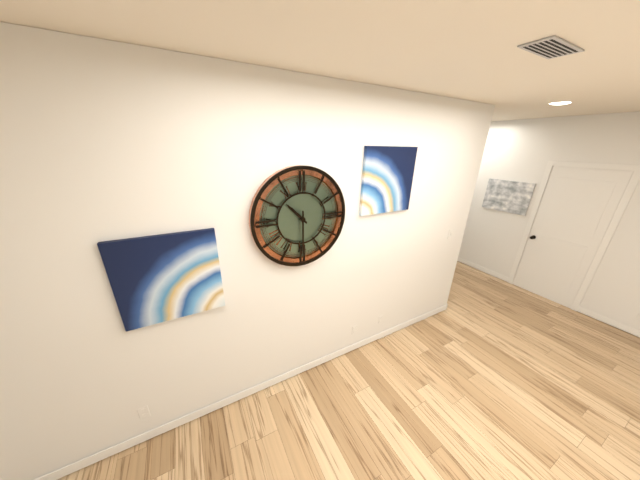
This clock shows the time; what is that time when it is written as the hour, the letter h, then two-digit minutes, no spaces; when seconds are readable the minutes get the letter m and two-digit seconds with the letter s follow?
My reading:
10h30
